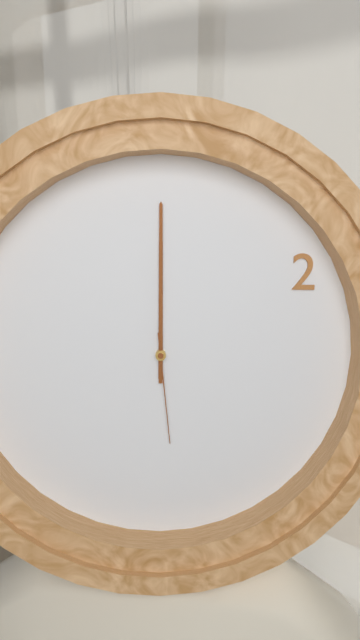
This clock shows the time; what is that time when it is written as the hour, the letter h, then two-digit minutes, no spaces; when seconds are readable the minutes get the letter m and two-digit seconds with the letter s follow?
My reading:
12h00m29s
